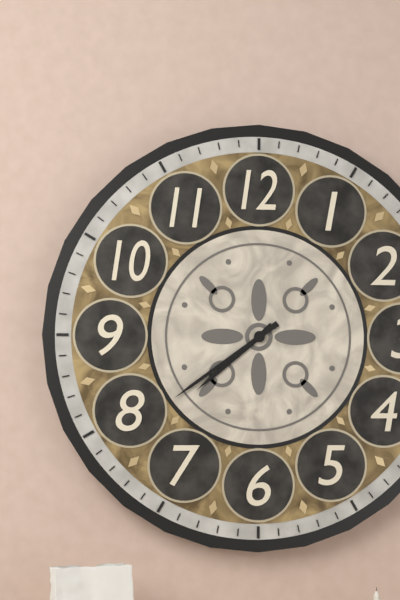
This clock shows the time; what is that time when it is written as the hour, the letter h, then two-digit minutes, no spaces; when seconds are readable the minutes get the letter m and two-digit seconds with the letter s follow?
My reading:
7h39
